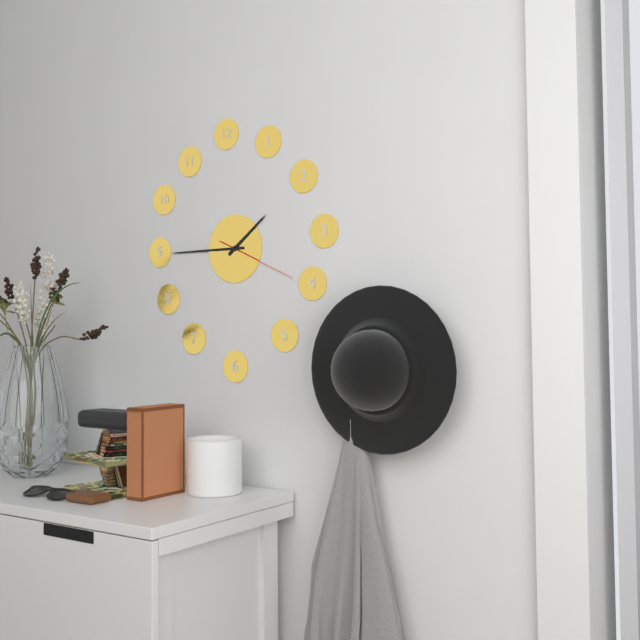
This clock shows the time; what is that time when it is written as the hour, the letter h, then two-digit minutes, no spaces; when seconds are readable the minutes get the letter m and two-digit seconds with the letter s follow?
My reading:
1h45m19s
